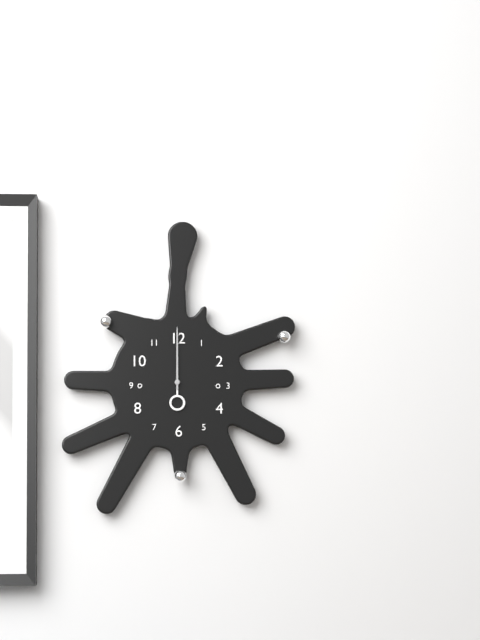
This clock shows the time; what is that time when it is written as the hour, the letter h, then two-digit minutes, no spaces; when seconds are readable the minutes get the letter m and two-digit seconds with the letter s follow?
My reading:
6h00
